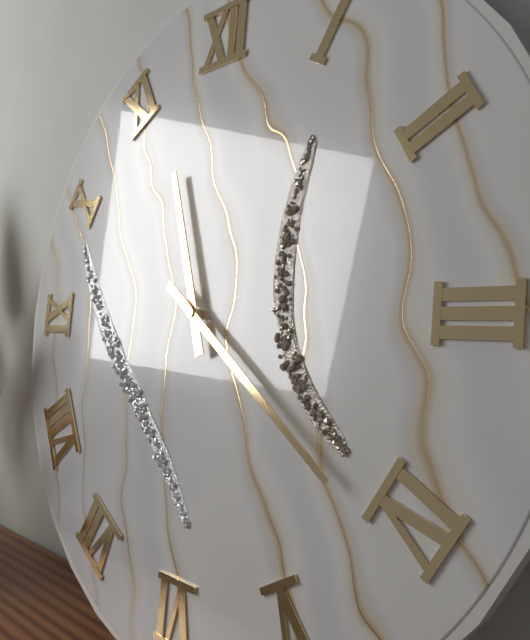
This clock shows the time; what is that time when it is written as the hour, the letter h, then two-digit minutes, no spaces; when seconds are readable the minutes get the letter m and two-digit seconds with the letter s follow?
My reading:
11h21
